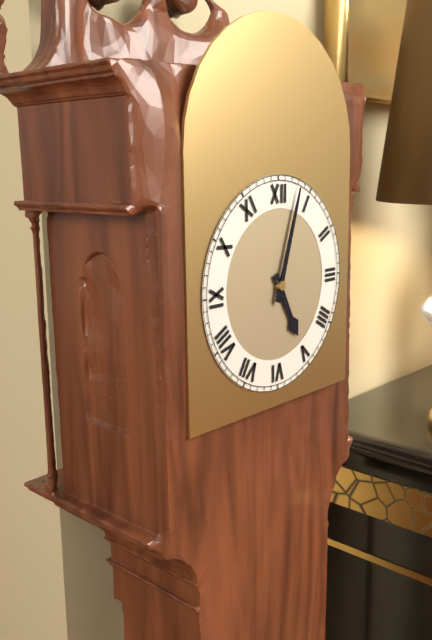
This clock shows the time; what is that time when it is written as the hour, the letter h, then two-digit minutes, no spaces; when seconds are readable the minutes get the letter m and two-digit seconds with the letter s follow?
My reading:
5h03
